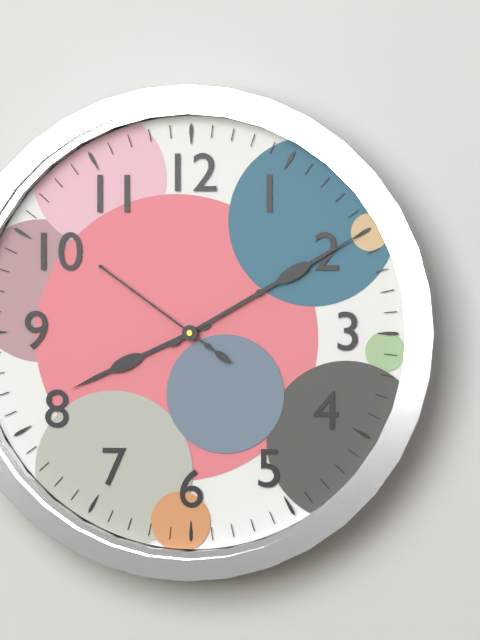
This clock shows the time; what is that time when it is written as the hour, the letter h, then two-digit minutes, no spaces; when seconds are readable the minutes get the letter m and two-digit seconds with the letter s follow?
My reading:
8h10m51s
